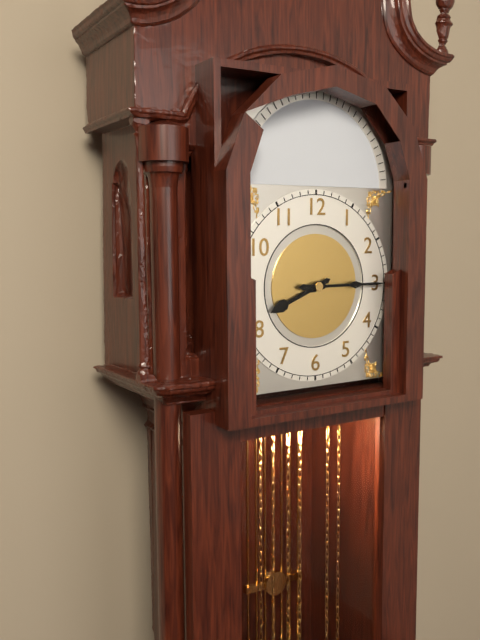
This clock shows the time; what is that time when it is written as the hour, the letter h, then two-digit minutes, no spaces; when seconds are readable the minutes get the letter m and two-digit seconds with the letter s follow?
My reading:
8h15
